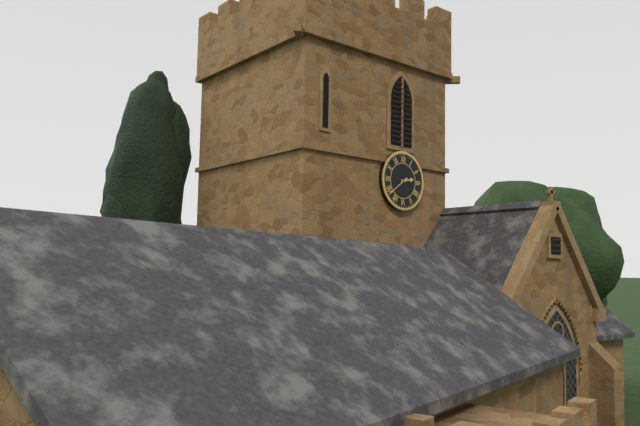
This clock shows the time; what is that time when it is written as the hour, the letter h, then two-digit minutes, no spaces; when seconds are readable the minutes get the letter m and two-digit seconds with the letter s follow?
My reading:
2h39
